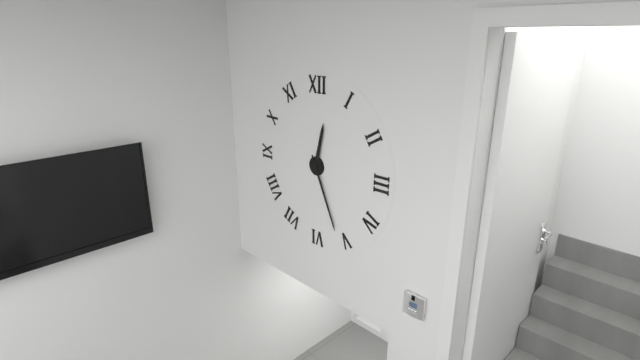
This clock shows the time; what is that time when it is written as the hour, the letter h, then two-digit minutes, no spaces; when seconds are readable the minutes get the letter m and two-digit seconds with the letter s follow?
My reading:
12h26
